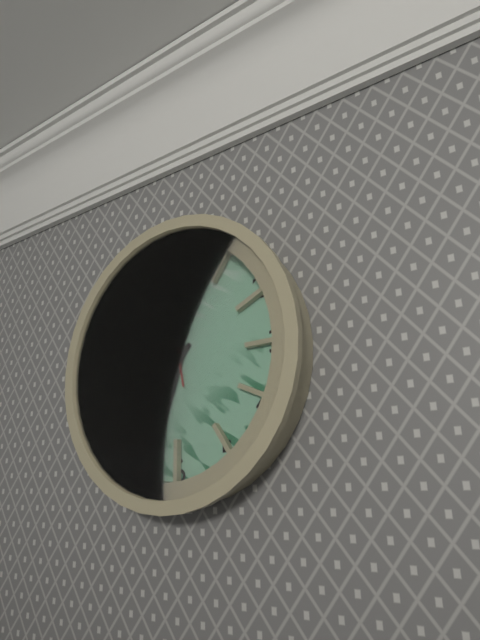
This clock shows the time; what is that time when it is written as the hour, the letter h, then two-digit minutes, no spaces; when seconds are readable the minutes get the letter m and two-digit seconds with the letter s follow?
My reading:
6h37m58s
